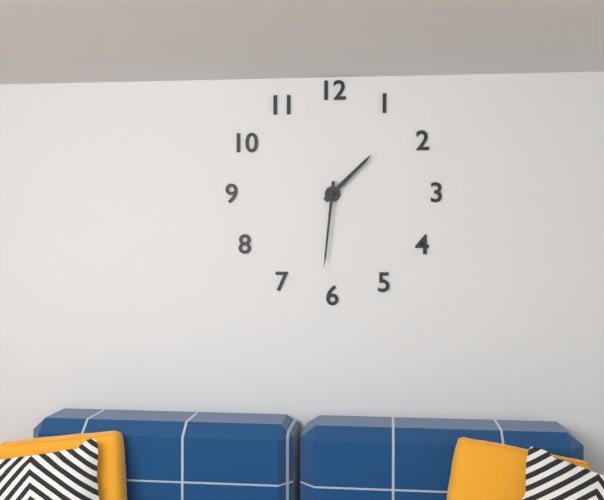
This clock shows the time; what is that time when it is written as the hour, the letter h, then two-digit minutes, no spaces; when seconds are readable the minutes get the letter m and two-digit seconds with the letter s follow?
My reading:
1h31
